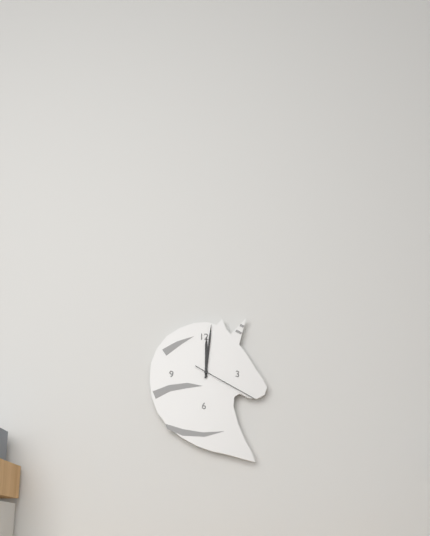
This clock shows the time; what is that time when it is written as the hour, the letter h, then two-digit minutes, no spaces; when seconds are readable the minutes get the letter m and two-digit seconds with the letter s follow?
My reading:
12h01m20s
